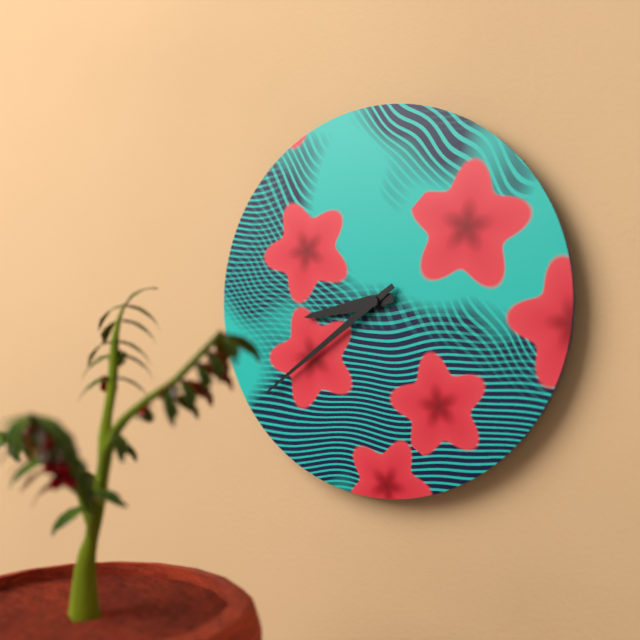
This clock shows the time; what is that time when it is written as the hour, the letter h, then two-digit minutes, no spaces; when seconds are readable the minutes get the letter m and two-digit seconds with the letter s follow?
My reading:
8h39
